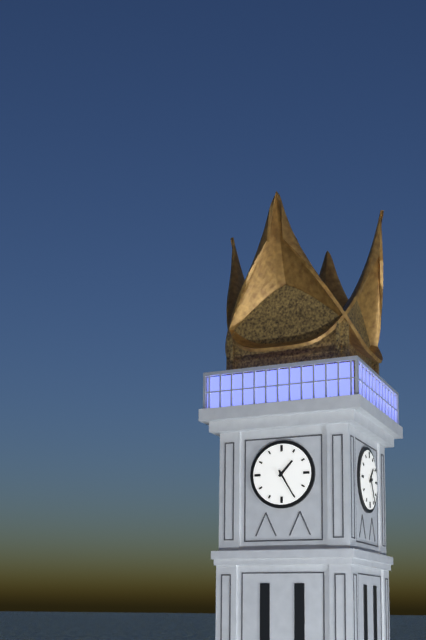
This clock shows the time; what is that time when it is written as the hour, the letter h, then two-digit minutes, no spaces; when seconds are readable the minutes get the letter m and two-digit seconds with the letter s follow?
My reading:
1h25
